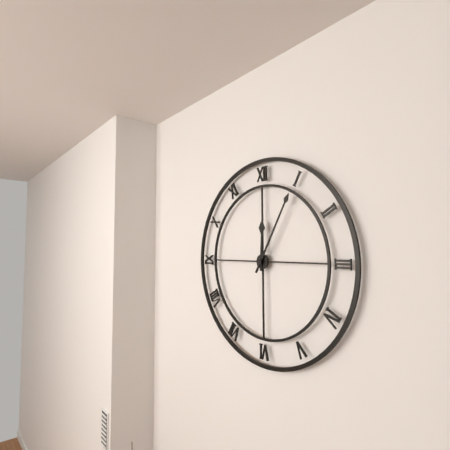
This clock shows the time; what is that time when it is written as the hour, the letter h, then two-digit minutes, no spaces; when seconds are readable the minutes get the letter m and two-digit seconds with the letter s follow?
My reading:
12h05
